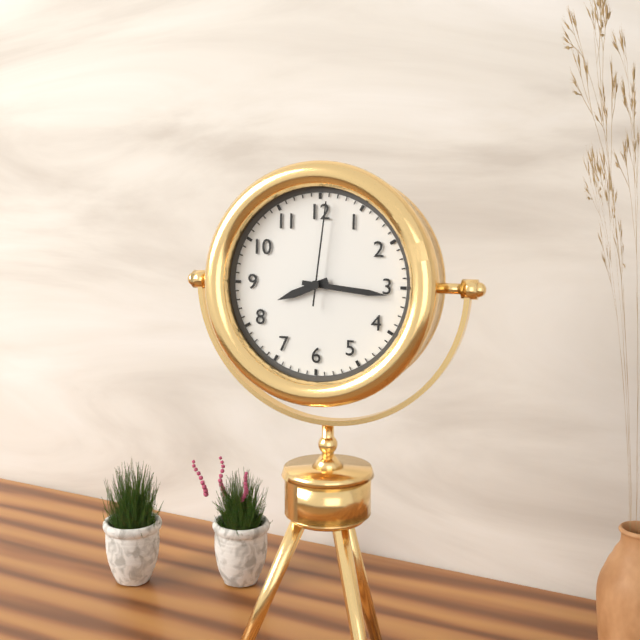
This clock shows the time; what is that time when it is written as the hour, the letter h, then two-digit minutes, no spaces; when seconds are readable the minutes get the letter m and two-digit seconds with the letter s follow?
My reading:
8h16m01s
